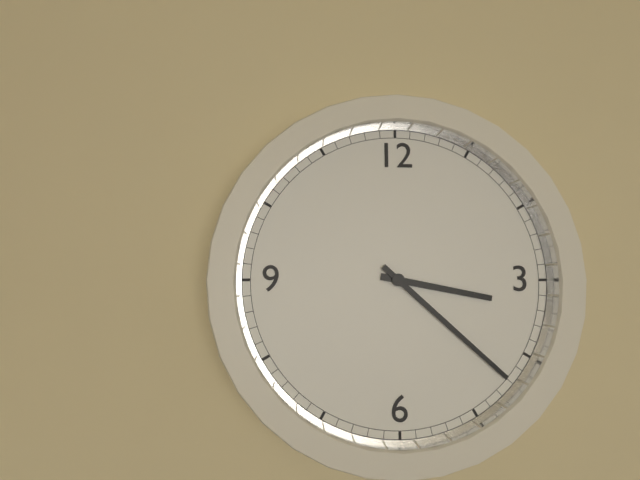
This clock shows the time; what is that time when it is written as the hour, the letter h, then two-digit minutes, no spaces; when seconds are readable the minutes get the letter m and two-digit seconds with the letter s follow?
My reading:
3h22
